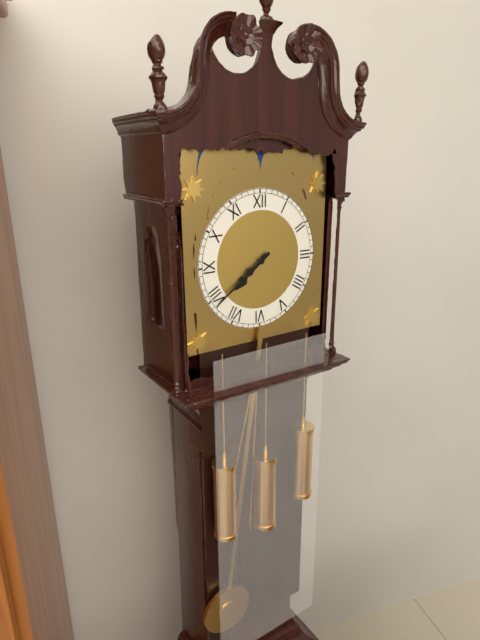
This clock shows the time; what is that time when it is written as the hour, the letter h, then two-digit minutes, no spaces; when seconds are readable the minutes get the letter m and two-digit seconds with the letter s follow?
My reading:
7h39
